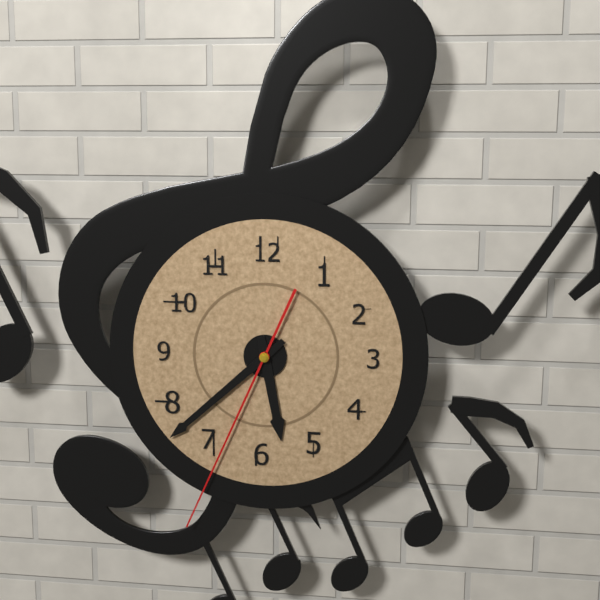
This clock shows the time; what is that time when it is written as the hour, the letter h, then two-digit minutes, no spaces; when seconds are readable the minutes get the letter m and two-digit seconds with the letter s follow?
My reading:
5h38m34s
